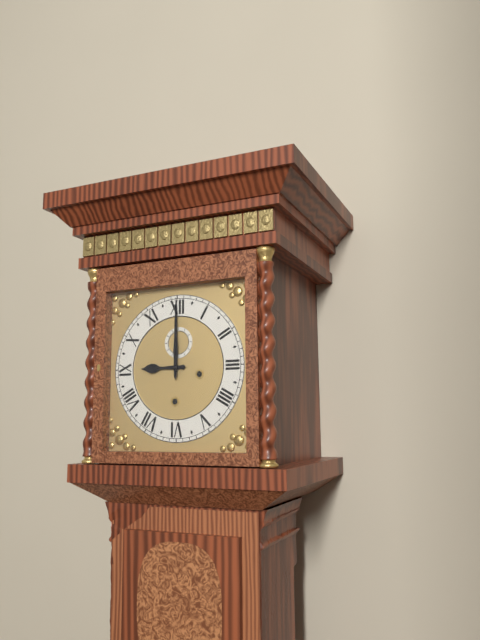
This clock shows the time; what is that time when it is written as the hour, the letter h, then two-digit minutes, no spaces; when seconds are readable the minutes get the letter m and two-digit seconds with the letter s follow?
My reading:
9h00
